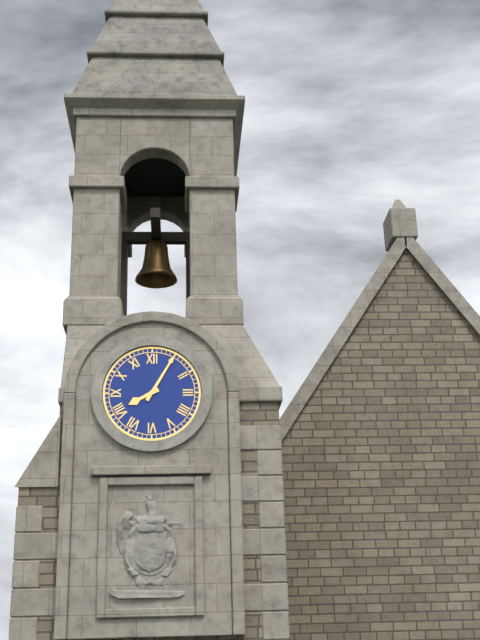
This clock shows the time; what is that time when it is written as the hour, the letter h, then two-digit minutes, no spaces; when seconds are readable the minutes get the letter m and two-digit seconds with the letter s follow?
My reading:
8h05
